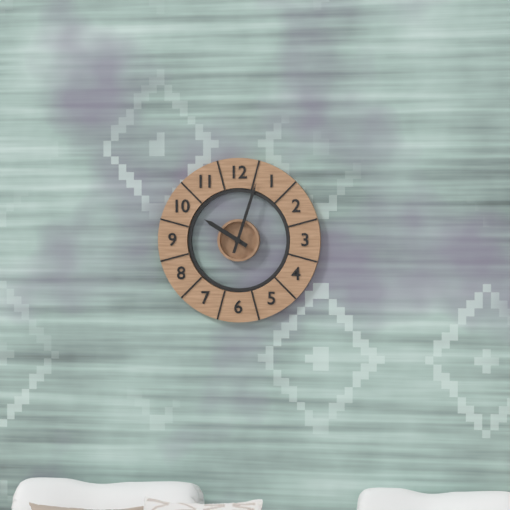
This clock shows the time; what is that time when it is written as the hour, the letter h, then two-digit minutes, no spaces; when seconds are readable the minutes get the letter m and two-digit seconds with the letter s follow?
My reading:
10h03
